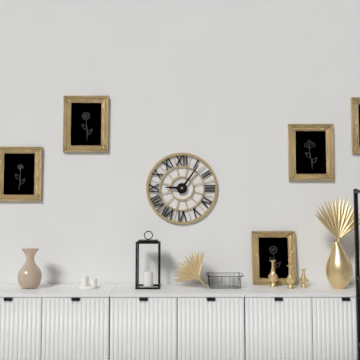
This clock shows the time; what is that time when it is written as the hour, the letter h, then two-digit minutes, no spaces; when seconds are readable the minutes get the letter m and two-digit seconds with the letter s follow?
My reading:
9h06
